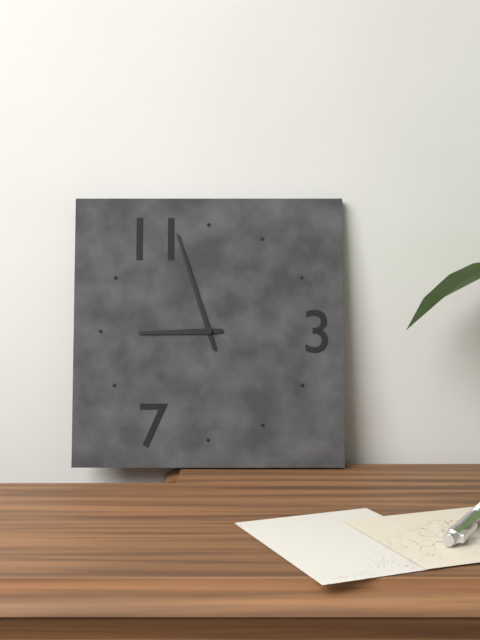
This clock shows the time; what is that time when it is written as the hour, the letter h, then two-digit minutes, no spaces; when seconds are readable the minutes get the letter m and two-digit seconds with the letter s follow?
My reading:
8h57
